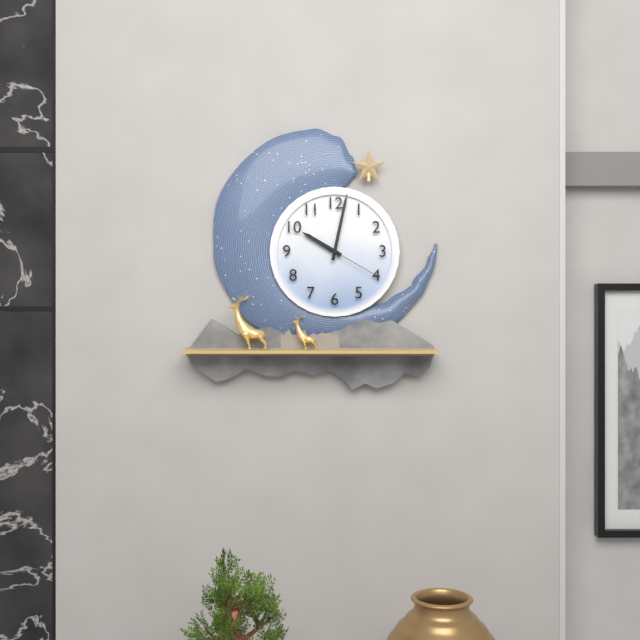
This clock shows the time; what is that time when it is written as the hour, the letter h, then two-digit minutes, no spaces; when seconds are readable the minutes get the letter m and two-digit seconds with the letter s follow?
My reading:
10h02m20s
